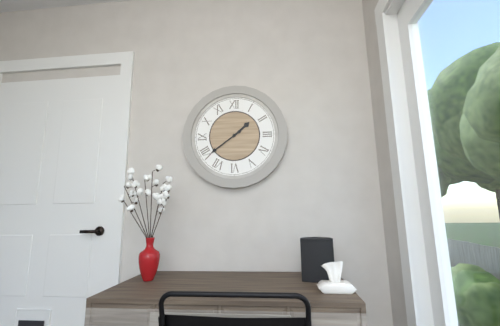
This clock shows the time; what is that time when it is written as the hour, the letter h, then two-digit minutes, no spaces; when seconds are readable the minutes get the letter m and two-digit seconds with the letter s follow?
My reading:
1h39
